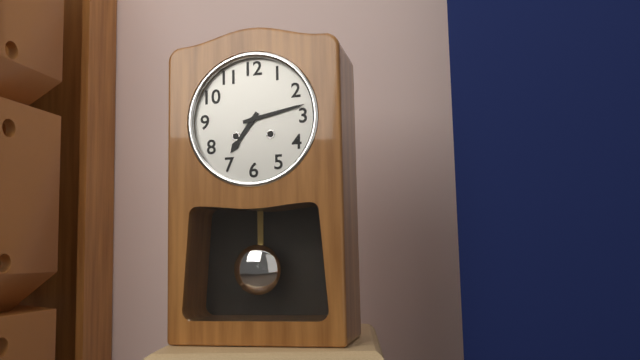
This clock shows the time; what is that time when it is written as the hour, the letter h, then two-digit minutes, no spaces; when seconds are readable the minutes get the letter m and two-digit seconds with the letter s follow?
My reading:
7h13
